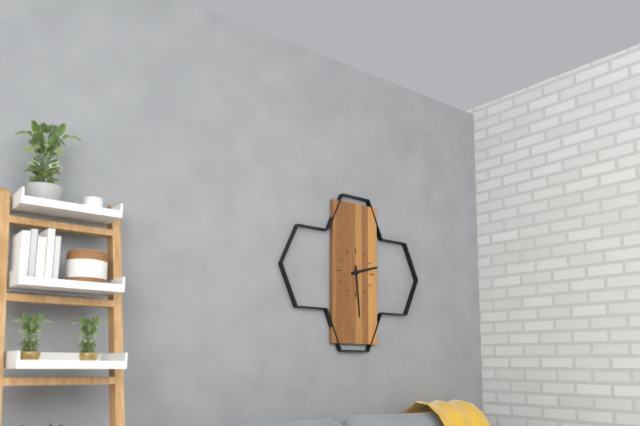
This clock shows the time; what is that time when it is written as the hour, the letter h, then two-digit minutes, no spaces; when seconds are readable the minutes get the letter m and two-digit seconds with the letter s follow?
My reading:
2h29
